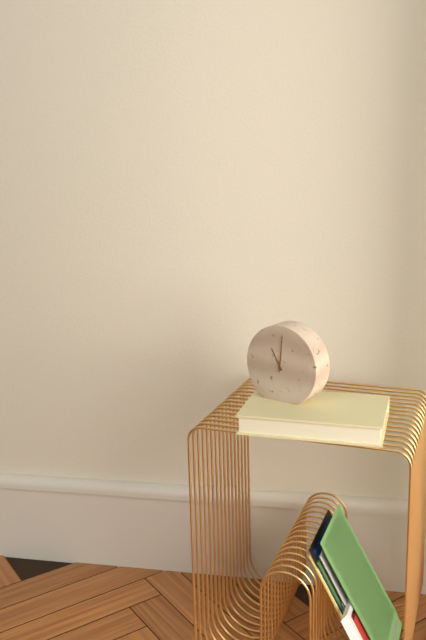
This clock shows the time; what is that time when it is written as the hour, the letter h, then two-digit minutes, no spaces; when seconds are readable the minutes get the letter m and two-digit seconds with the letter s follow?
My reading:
11h01
